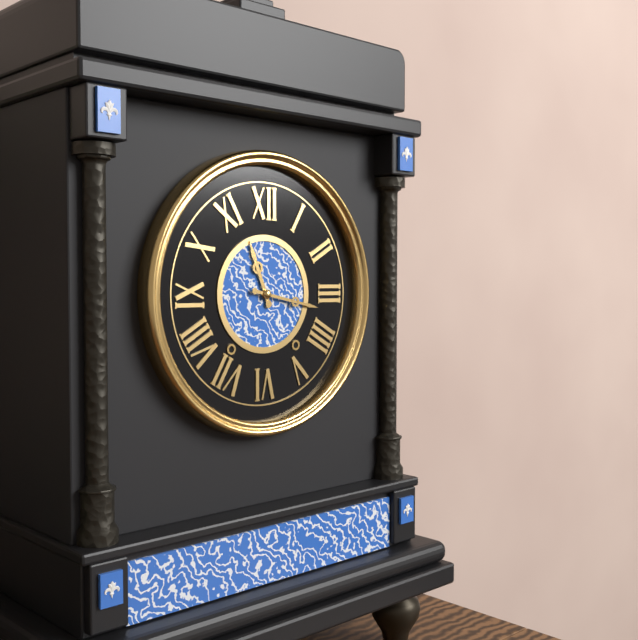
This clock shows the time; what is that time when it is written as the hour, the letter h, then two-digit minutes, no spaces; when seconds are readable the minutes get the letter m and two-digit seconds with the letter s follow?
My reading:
11h17
